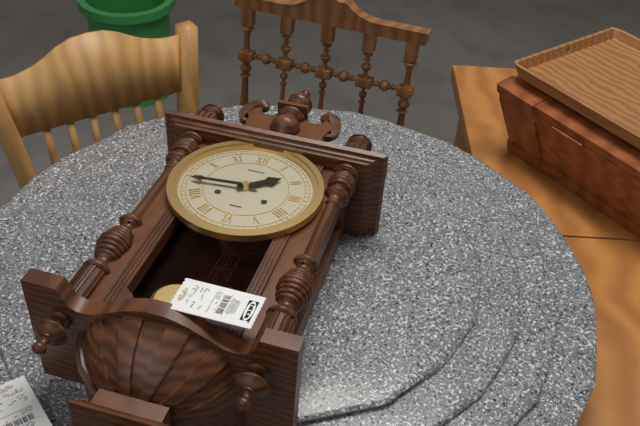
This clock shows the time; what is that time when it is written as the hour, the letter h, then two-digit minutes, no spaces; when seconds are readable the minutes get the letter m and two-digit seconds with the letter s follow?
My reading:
1h44
